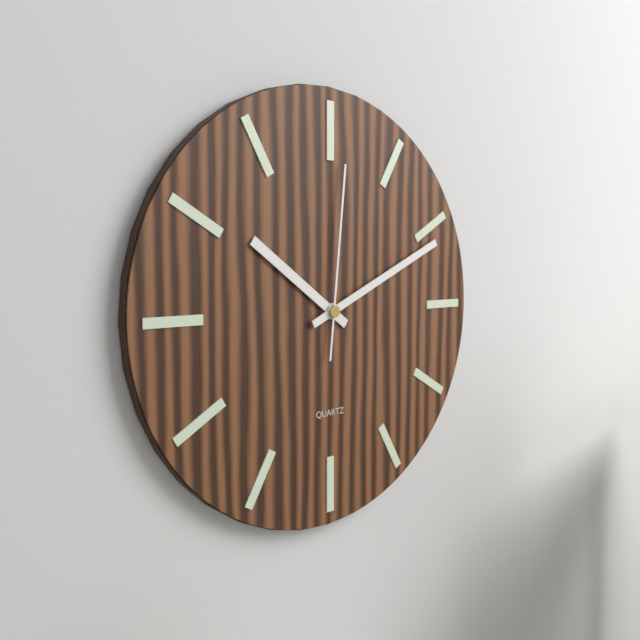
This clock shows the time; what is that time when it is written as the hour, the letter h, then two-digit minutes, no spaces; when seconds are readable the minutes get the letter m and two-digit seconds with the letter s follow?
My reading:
10h11m01s
